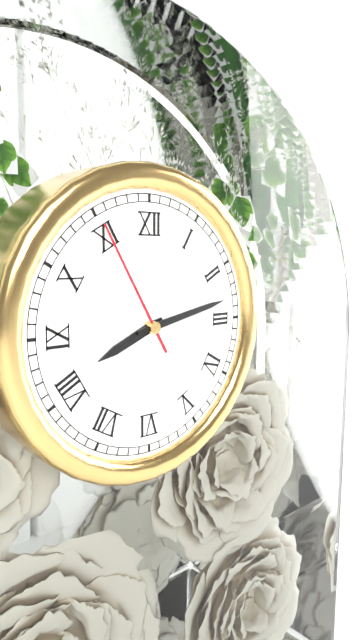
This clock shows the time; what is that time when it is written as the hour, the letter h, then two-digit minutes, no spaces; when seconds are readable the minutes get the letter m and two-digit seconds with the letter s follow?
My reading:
8h13m55s
